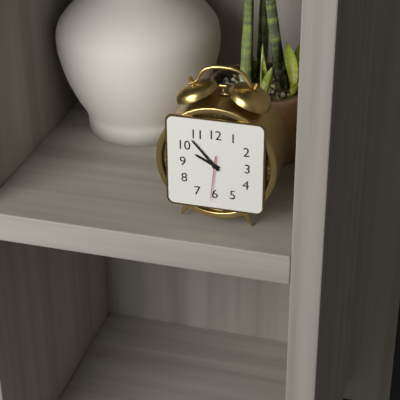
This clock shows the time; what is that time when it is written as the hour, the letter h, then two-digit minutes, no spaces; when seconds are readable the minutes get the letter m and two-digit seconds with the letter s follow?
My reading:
9h53
